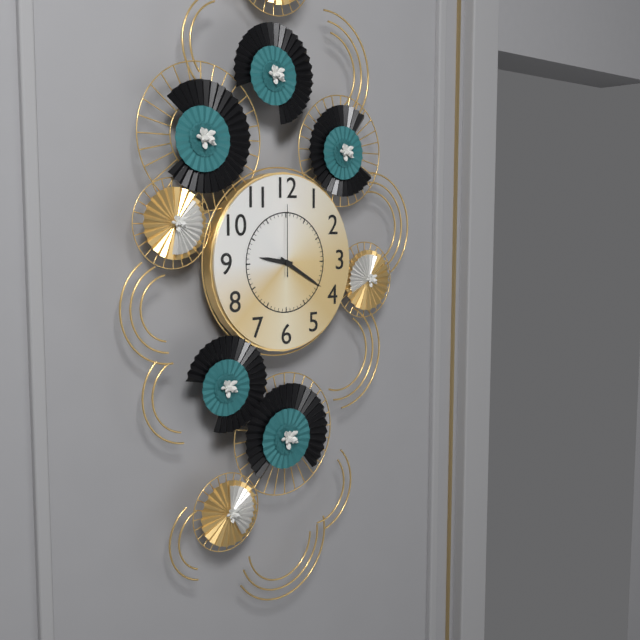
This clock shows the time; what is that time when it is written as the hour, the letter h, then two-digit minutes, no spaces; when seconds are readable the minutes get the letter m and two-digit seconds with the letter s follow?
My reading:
9h20m00s
